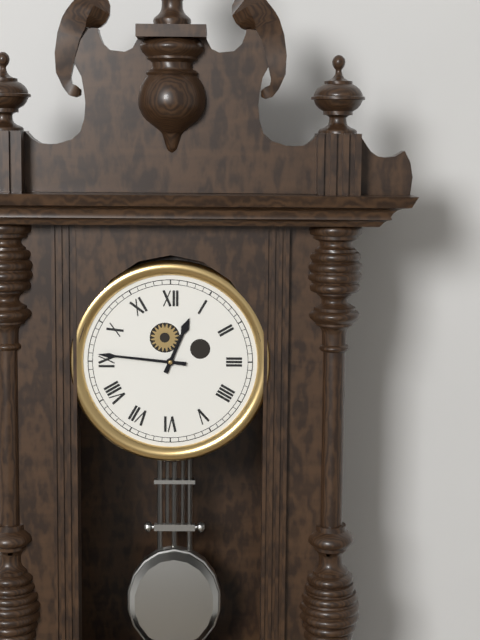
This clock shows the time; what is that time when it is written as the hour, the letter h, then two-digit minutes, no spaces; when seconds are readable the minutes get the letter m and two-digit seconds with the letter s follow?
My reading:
12h46
